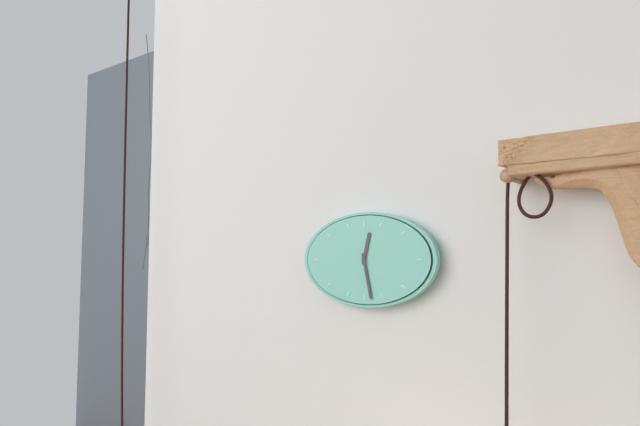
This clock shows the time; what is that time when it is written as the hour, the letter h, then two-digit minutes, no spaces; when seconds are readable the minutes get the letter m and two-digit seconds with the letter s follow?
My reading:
12h28
